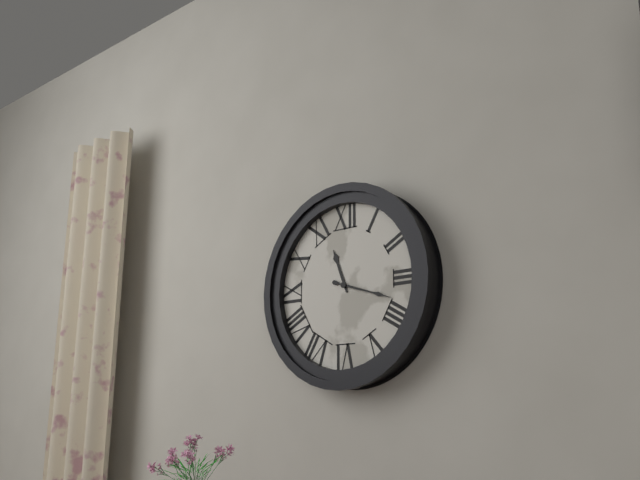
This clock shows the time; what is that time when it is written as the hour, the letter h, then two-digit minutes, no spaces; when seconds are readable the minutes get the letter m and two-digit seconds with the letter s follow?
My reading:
11h18
